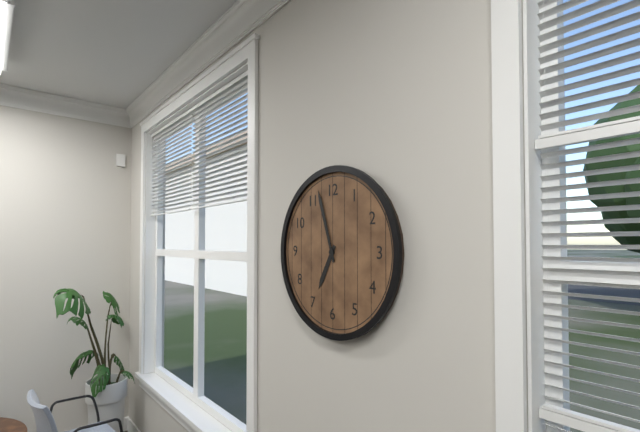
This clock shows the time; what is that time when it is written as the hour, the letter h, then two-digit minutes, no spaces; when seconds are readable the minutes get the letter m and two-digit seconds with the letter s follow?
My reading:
6h57
